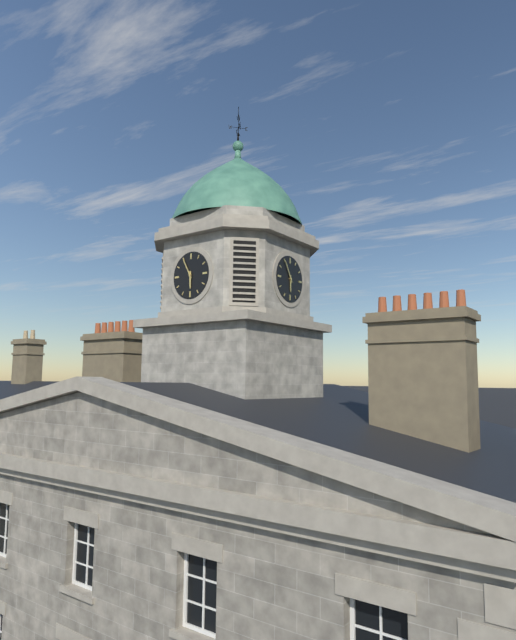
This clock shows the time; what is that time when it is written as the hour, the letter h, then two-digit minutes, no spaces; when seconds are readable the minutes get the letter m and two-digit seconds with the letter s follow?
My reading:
5h55
